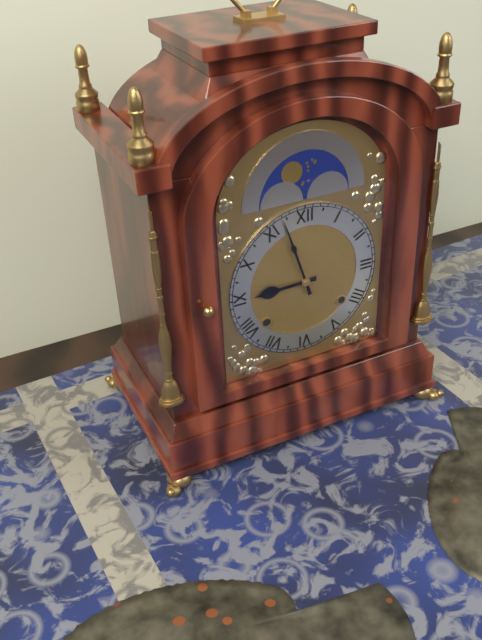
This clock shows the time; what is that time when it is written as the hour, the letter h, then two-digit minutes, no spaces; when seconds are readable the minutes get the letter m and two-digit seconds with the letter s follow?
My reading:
8h57
